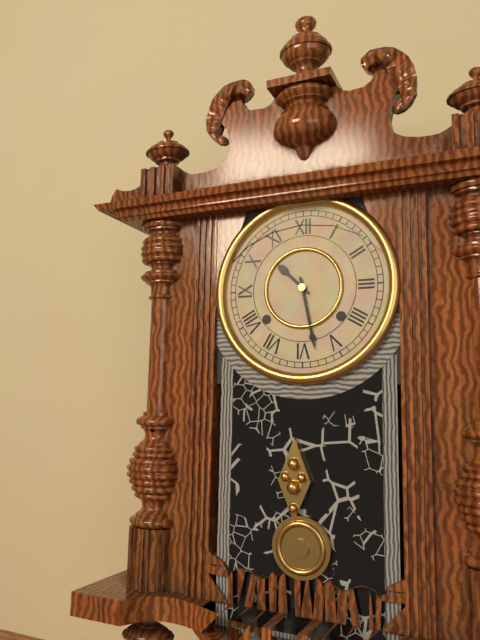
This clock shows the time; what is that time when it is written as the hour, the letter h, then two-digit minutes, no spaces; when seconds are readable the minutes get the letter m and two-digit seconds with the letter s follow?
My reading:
10h28
